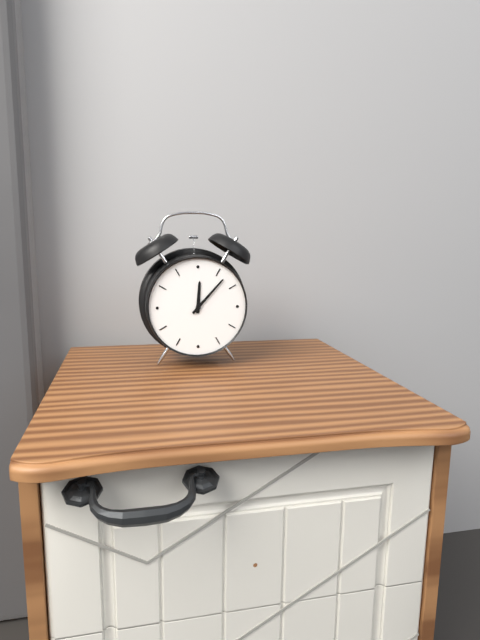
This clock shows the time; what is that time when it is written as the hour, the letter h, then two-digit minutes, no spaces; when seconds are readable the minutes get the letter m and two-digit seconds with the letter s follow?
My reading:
12h07
